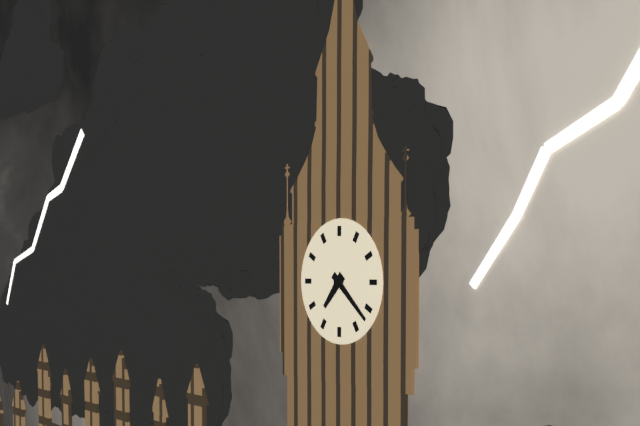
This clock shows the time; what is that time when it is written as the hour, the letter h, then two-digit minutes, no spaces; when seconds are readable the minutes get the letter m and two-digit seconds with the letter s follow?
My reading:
7h22
